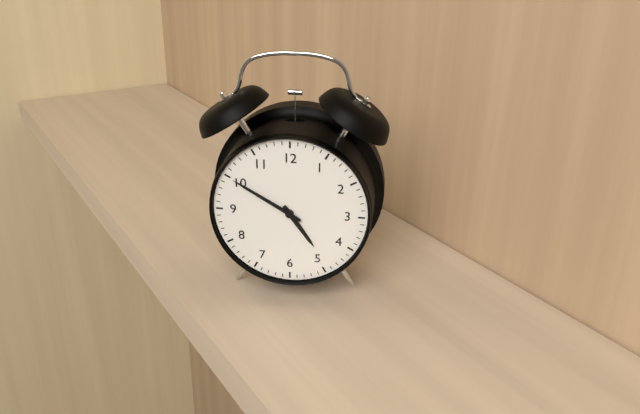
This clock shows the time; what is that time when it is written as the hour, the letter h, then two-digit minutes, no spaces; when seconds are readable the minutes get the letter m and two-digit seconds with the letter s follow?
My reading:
4h50
